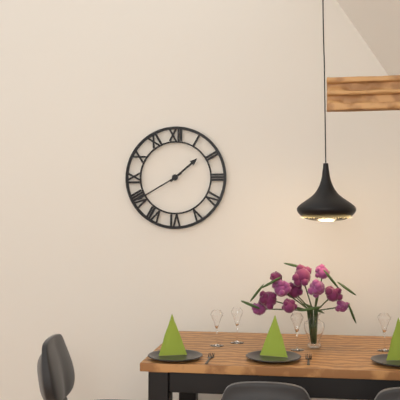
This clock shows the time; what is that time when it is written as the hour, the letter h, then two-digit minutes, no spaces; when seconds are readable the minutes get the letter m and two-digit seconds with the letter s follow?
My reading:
1h40
